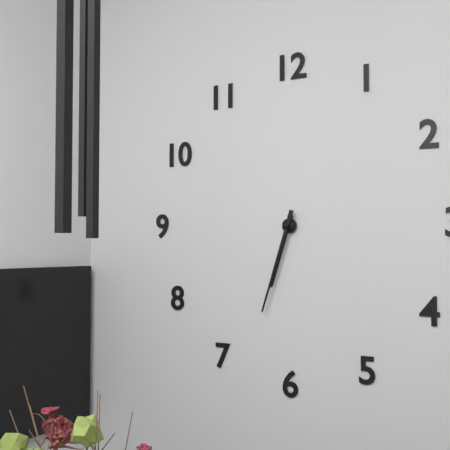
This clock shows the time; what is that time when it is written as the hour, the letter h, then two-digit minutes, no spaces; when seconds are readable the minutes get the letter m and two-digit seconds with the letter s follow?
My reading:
6h33
